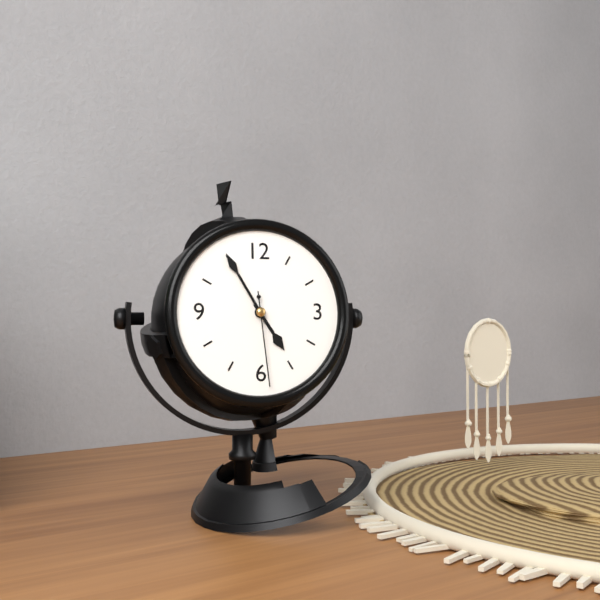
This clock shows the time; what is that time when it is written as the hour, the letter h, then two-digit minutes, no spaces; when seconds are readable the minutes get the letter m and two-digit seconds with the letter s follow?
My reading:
4h55m29s
